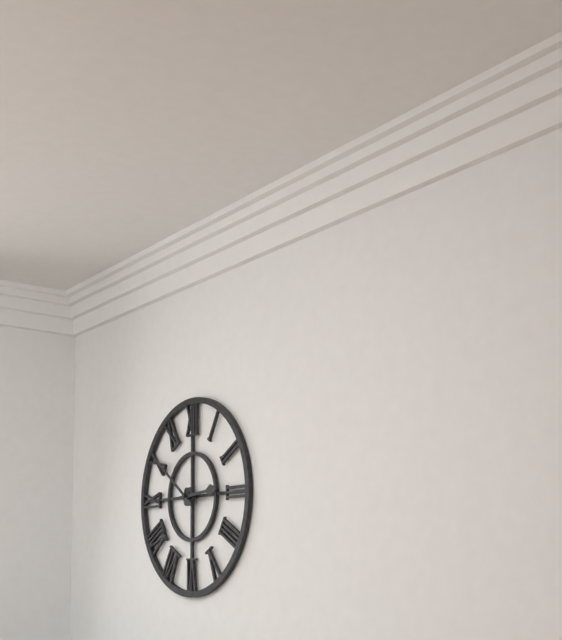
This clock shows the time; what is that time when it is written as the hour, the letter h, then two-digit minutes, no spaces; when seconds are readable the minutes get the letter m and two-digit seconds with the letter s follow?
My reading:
2h51
